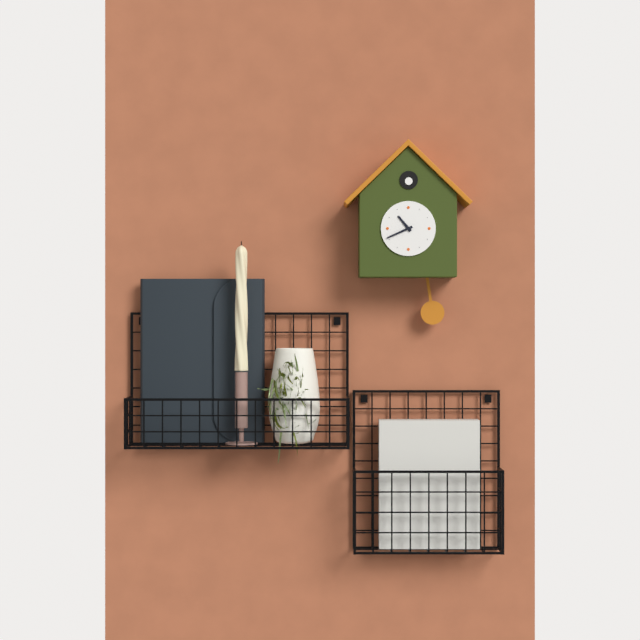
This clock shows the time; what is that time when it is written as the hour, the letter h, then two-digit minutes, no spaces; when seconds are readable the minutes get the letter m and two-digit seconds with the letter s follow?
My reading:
10h41
